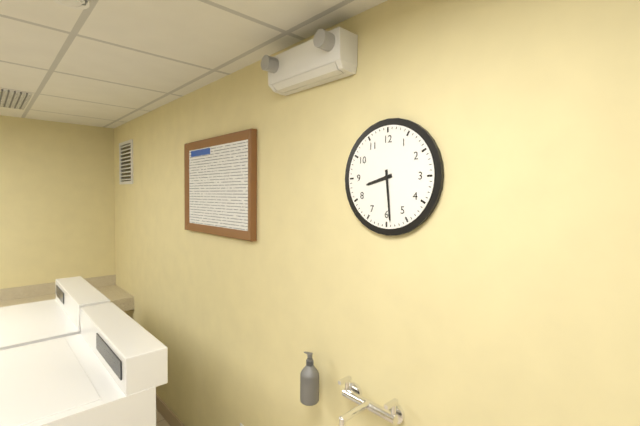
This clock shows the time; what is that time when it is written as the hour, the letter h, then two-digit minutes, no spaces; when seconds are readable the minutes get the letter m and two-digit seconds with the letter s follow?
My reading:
8h29
